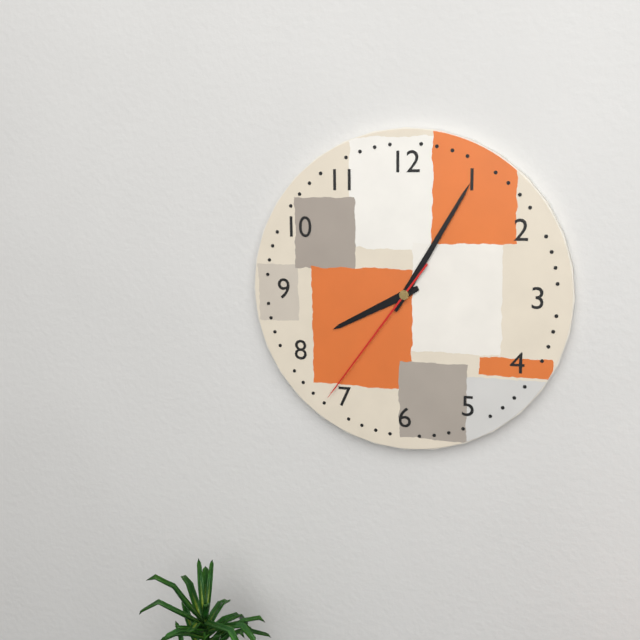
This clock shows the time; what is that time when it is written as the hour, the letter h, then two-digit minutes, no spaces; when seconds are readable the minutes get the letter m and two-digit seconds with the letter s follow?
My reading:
8h05m36s
